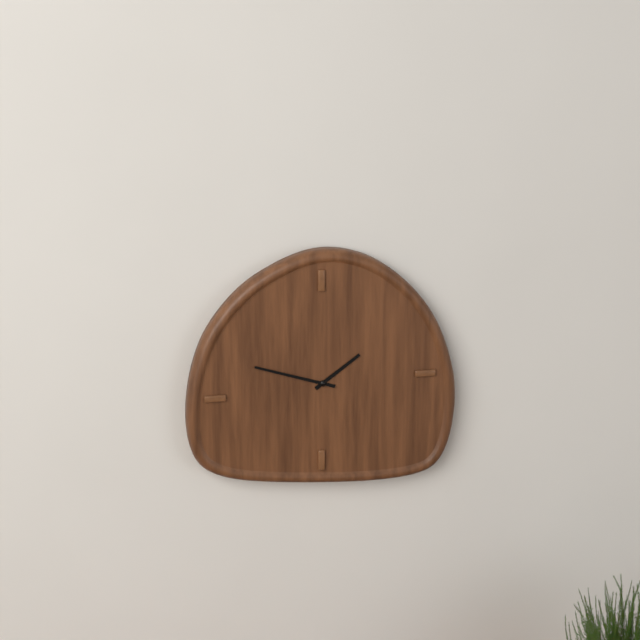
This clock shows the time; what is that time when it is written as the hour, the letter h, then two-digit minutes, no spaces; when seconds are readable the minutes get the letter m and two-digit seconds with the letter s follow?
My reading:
1h48
